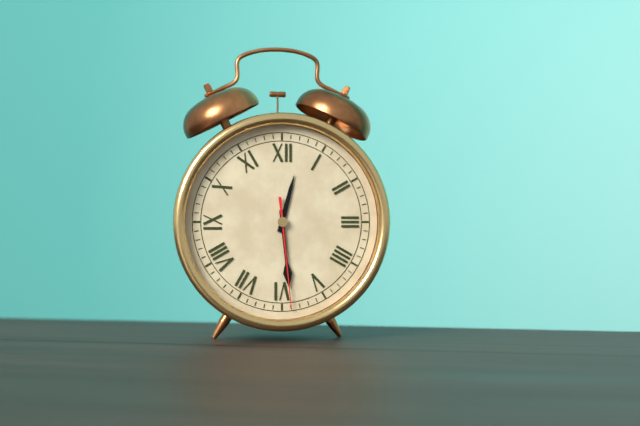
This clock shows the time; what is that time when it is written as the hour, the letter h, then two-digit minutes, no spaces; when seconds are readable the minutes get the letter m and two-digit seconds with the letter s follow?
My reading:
12h29m29s
